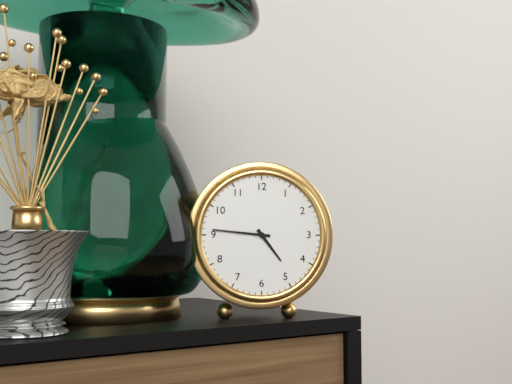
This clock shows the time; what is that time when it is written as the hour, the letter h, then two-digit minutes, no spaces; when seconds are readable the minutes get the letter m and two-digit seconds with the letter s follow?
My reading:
4h46
